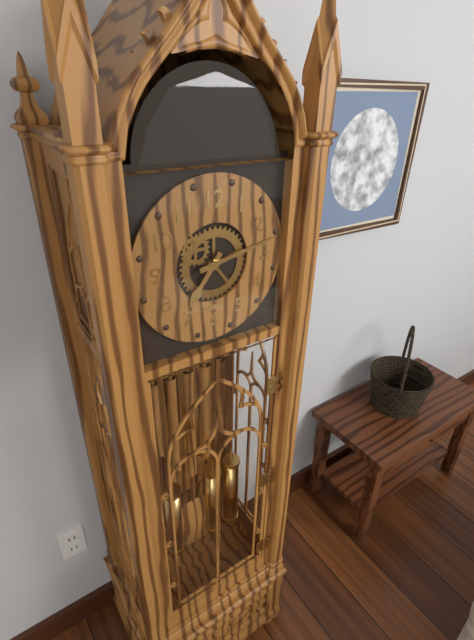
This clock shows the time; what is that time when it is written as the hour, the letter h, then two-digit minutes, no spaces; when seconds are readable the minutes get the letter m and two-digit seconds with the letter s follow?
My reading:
7h13
